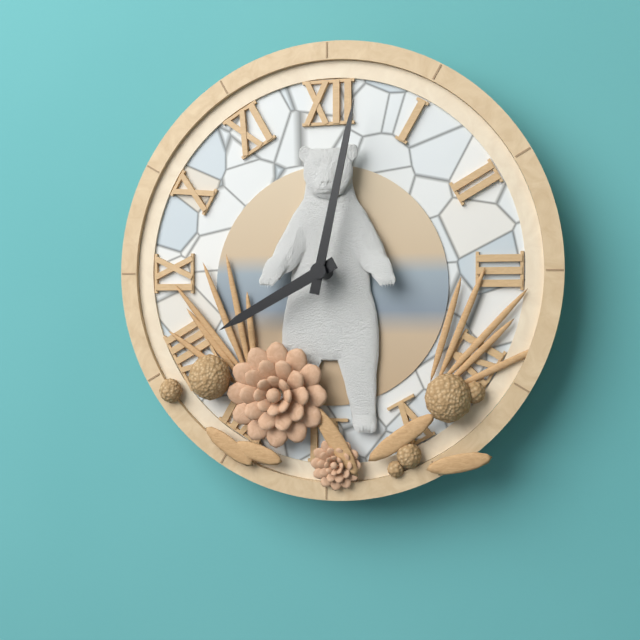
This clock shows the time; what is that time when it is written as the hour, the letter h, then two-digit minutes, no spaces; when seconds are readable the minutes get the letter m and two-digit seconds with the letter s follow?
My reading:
8h02
